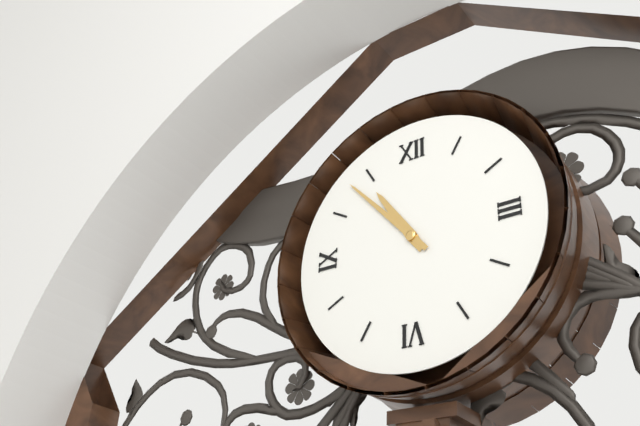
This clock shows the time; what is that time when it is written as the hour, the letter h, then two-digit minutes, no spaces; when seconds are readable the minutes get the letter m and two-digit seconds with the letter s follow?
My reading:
10h53
